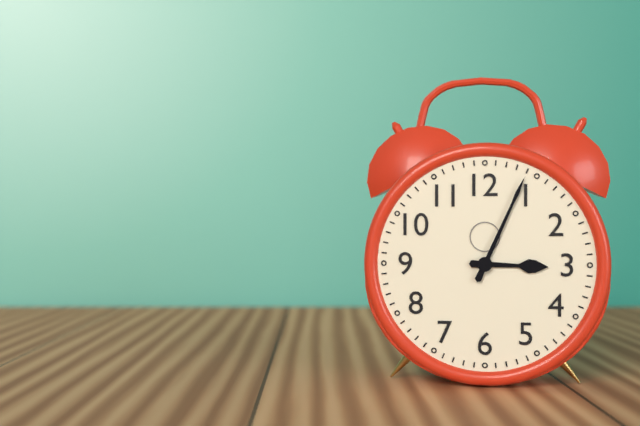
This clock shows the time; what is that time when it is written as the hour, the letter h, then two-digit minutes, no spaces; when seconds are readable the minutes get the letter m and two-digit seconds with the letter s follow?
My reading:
3h04
